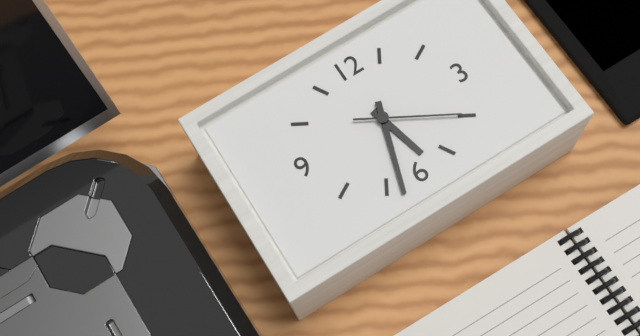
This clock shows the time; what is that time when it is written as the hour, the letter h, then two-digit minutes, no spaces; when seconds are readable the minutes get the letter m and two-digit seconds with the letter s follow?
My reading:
5h33m20s
